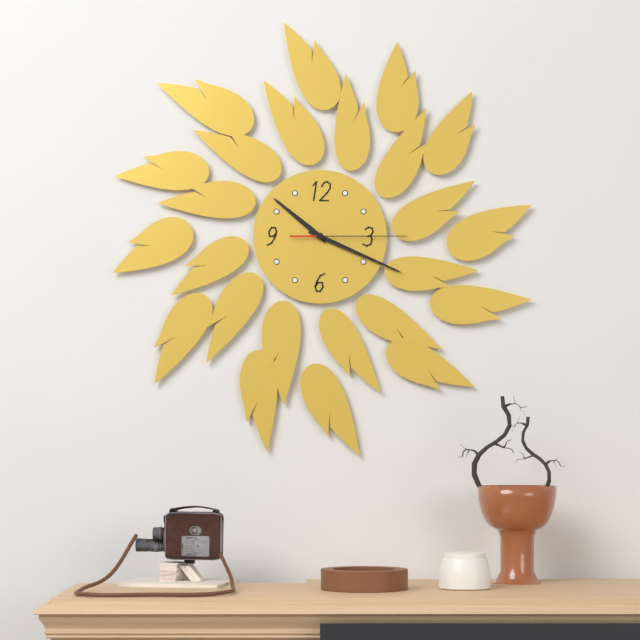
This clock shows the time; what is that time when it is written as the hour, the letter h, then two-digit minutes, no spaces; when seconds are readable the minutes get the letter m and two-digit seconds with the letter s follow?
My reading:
10h19m15s
